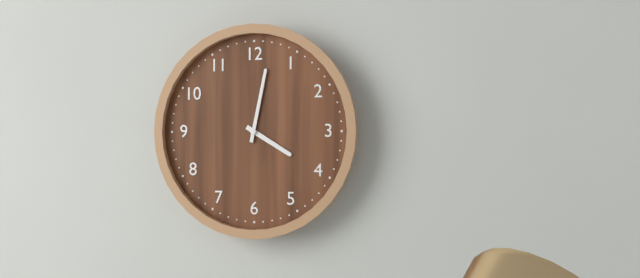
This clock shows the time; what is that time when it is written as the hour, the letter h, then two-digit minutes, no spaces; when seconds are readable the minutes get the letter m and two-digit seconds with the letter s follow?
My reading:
4h02
